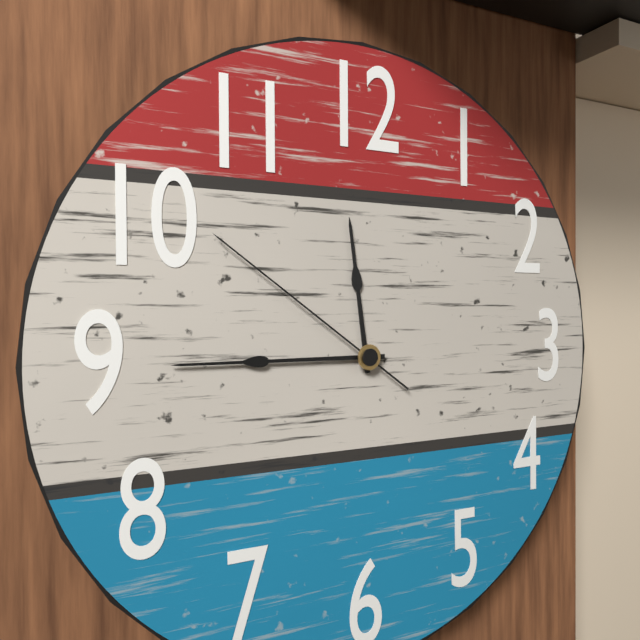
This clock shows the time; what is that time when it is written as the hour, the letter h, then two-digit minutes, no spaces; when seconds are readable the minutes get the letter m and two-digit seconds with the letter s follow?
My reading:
11h45m51s
